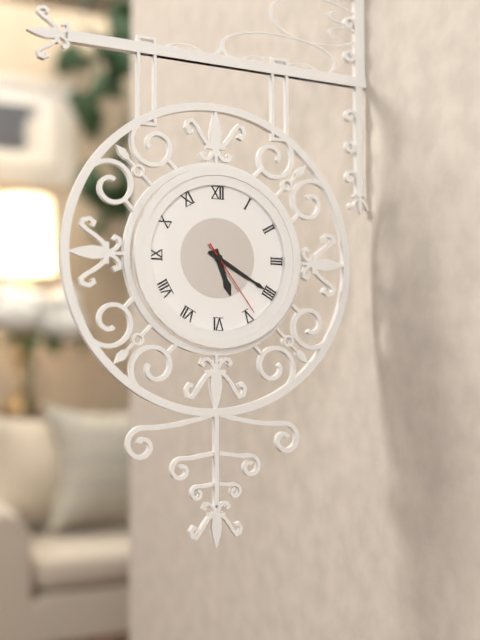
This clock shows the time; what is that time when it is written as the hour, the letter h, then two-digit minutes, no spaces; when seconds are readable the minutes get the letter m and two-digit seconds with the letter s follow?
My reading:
5h20m24s
